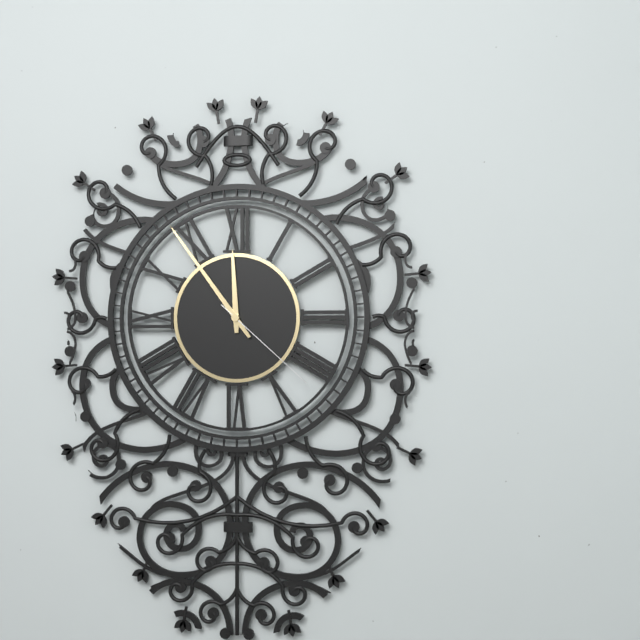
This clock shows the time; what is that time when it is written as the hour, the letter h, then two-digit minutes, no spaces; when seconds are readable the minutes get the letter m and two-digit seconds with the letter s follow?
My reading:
11h54m22s
